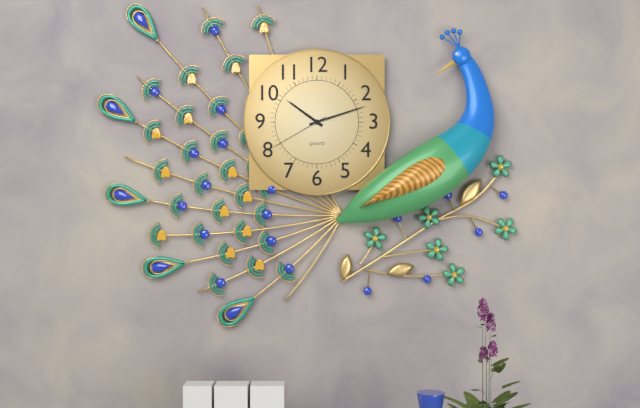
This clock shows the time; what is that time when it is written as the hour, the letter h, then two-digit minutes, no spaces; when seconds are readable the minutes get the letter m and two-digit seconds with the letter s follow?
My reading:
10h12m40s
